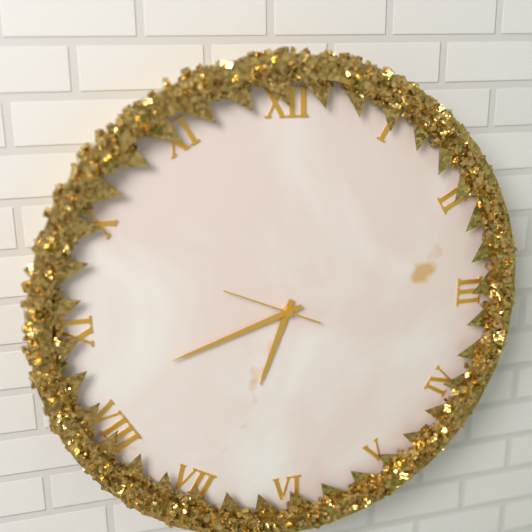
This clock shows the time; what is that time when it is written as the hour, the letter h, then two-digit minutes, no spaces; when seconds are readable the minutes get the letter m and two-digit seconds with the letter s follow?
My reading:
6h42m49s
